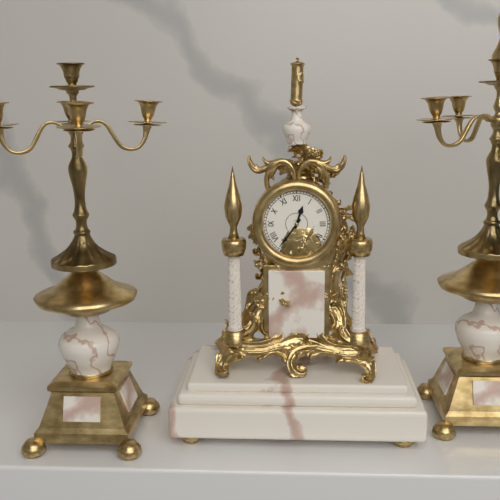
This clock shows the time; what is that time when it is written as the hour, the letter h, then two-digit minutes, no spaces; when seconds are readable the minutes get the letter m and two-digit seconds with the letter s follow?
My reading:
12h36
